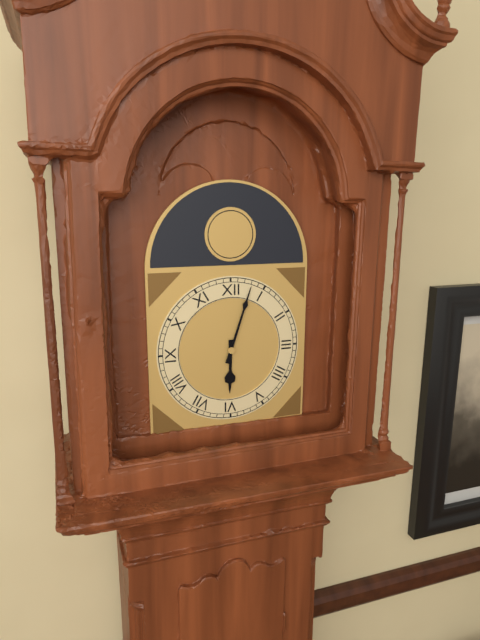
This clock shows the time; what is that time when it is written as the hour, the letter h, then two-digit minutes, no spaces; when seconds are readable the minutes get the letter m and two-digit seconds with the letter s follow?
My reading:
6h03
